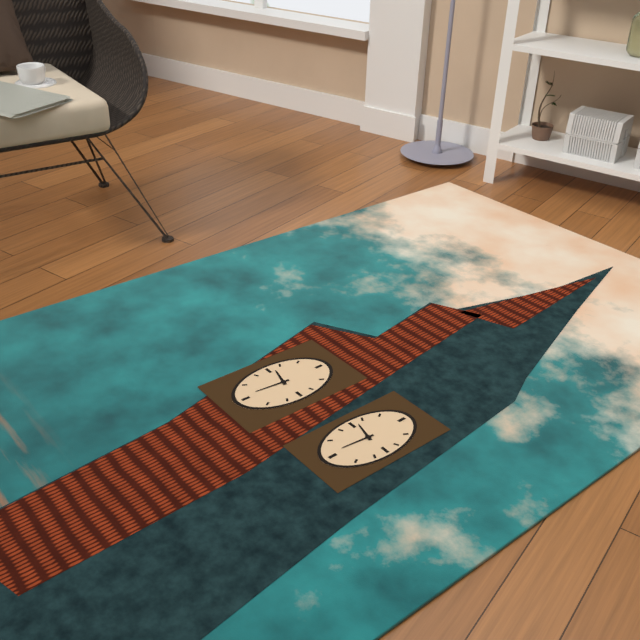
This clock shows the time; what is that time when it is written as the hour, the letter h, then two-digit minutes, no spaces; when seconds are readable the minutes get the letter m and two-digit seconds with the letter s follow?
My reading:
9h31
